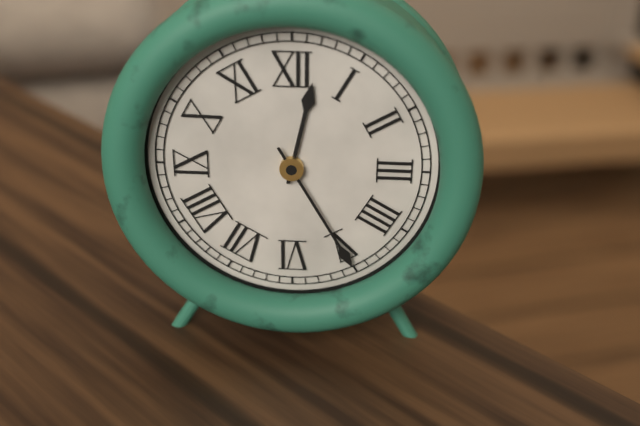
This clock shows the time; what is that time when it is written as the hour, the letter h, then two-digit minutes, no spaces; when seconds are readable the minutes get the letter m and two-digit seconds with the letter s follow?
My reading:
12h25
